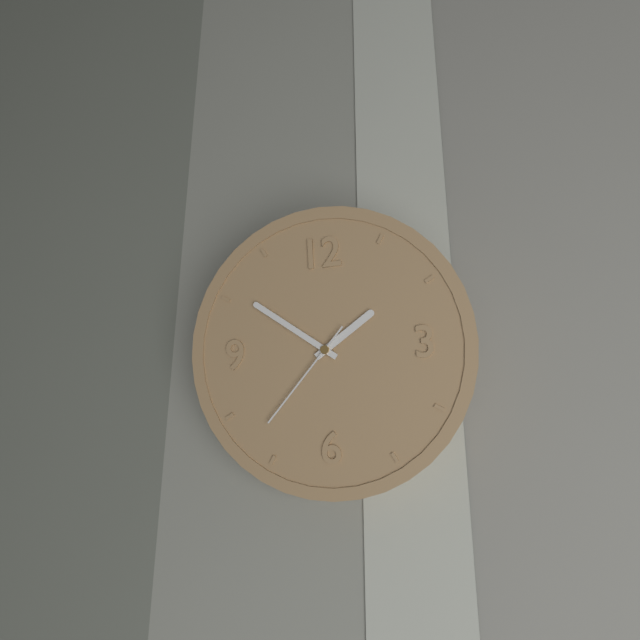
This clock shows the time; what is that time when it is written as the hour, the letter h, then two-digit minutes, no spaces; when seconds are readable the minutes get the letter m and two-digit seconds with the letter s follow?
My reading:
1h51m37s
